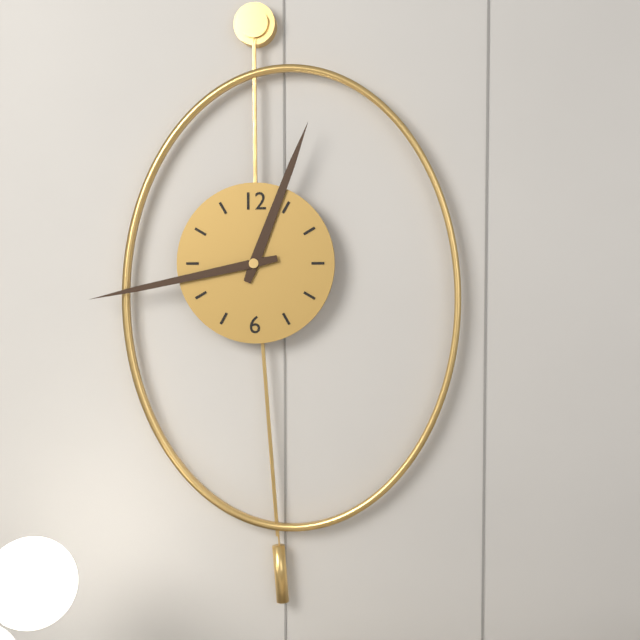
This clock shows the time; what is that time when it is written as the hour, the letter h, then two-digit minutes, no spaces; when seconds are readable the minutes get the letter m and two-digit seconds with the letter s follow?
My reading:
12h43
